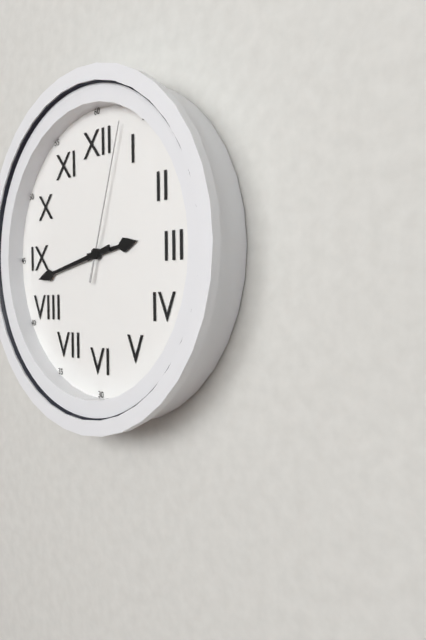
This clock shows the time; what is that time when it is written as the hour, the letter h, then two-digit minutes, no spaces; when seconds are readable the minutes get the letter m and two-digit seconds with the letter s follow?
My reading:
2h43m03s
